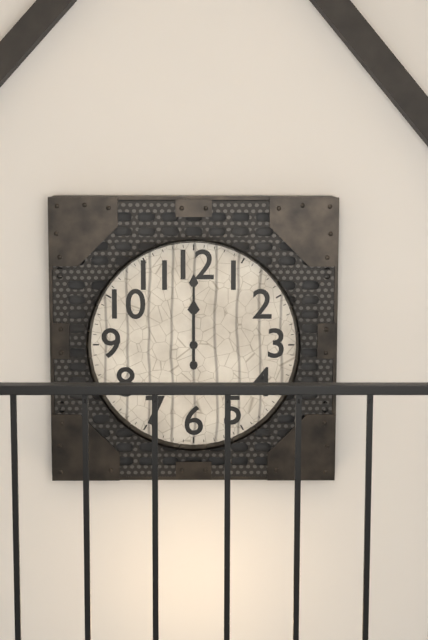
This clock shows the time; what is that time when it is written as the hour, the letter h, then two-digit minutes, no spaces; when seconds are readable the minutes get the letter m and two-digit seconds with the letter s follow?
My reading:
12h00
